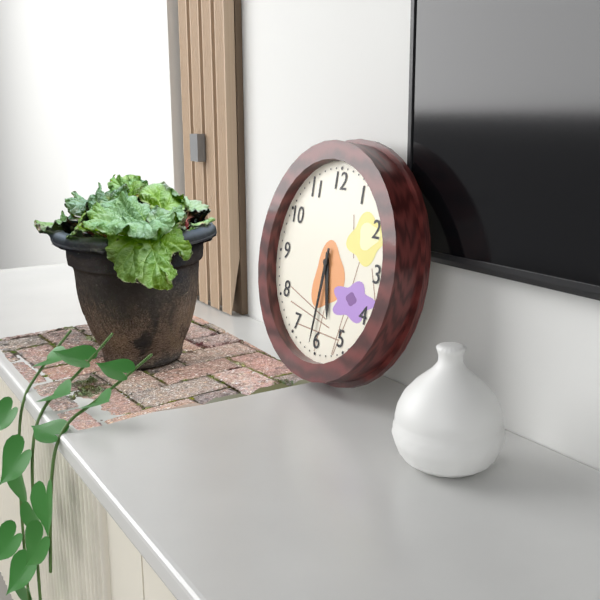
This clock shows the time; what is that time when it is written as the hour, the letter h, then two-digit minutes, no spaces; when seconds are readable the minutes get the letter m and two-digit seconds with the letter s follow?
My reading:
5h31
